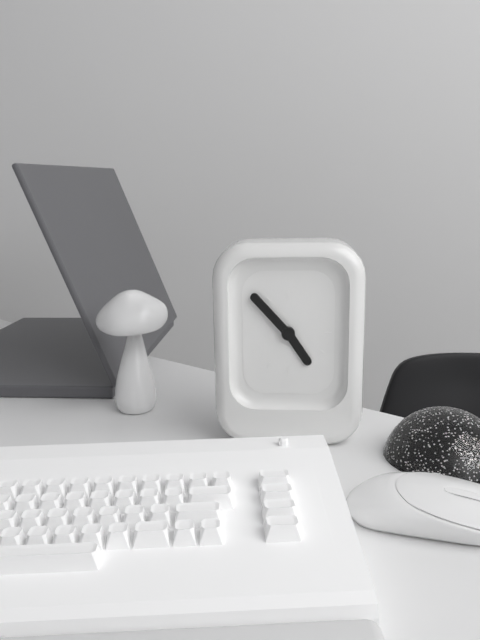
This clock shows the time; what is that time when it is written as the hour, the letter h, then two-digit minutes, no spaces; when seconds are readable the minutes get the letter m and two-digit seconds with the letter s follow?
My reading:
4h53
